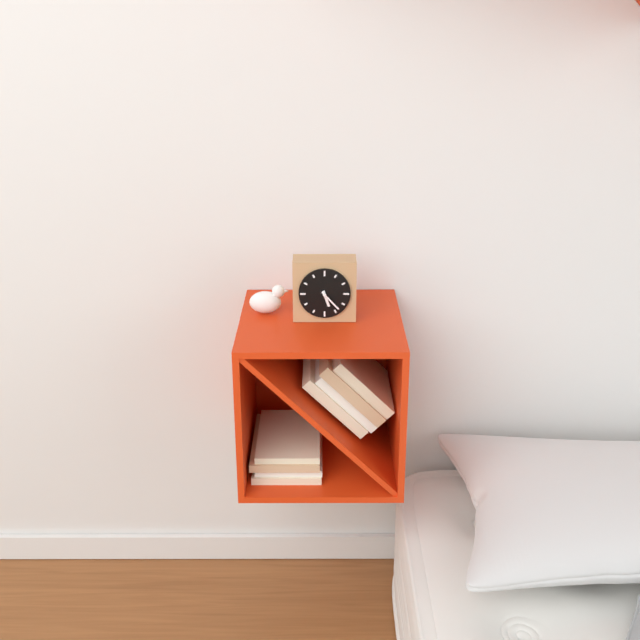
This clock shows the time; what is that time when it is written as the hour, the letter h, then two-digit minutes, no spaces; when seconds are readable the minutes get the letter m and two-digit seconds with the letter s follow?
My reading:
5h23
